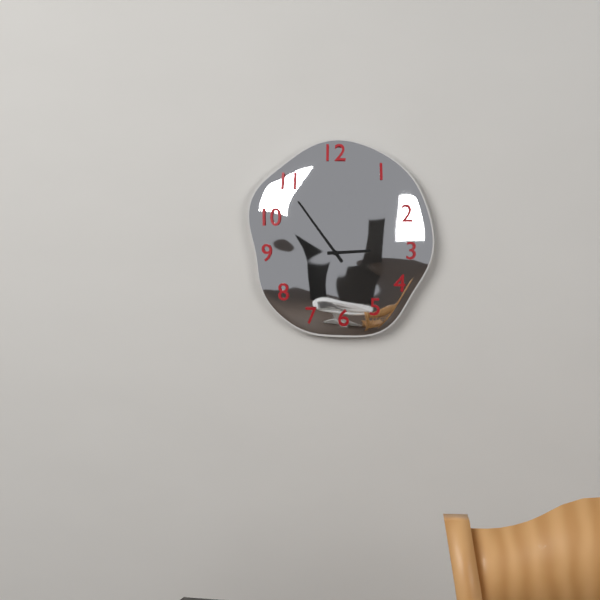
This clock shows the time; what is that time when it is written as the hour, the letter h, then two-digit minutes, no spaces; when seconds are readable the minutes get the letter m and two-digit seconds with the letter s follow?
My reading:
2h54
